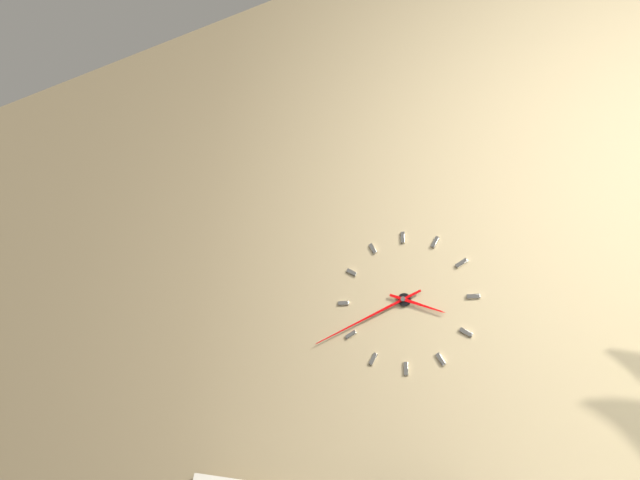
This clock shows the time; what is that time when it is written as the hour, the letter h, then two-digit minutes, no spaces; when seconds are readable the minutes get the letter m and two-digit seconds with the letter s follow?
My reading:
3h41
